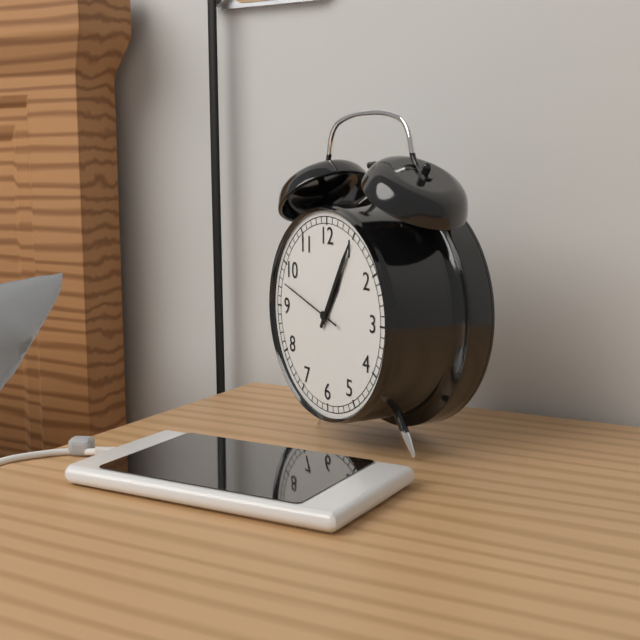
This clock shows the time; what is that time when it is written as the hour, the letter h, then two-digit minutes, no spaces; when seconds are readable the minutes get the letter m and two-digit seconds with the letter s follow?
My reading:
1h05m48s
